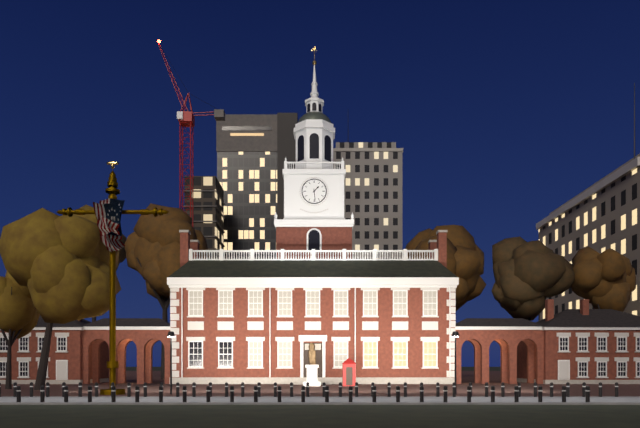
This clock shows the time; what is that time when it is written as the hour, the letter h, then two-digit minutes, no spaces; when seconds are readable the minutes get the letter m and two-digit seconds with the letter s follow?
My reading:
1h29
